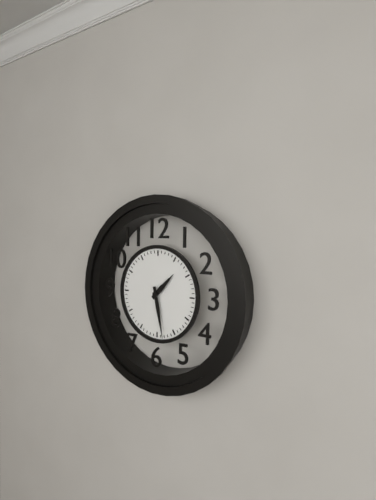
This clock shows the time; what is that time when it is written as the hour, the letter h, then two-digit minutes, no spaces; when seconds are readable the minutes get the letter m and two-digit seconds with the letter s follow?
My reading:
1h28
